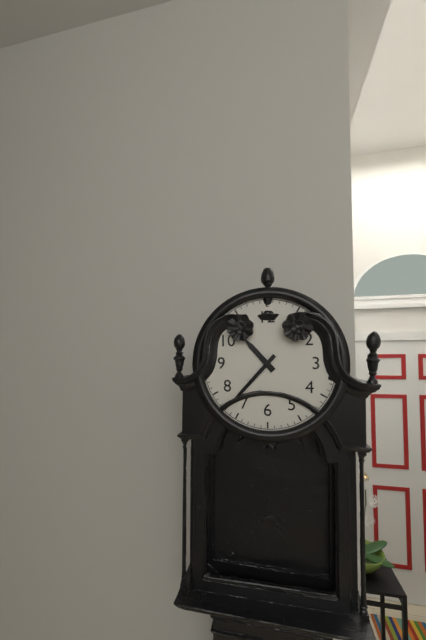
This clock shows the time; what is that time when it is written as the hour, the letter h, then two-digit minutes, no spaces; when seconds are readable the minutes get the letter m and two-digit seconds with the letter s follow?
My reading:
10h37
